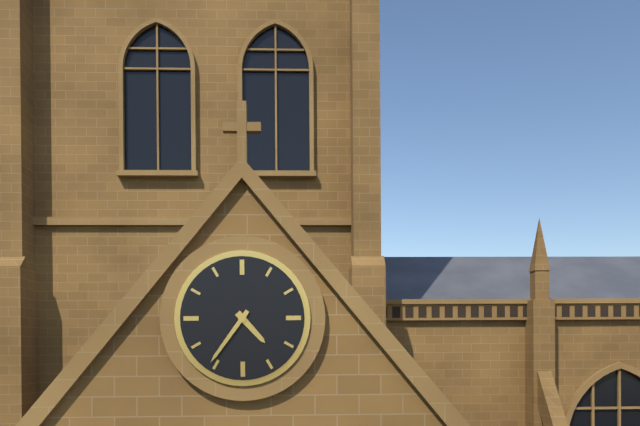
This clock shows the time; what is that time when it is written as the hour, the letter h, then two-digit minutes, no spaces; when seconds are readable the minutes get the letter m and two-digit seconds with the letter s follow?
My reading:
4h36
